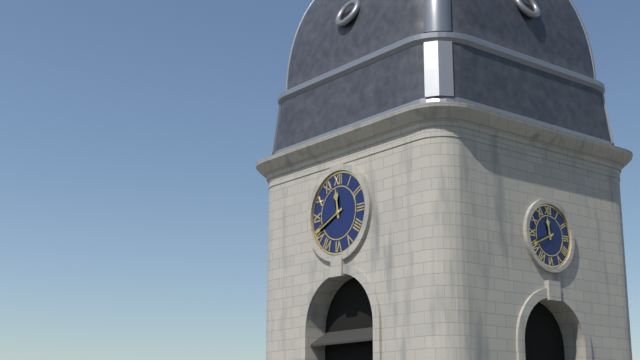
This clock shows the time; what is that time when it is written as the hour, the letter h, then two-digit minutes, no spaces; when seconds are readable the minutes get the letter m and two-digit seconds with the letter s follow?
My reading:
11h41
